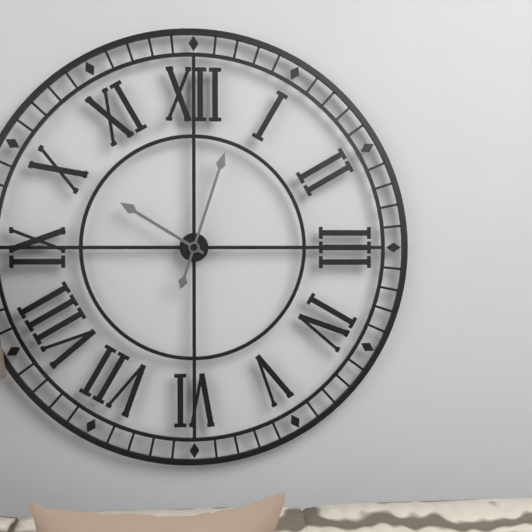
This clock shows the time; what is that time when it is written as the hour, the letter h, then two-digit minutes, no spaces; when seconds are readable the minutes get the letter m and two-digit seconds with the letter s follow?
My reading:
10h03
